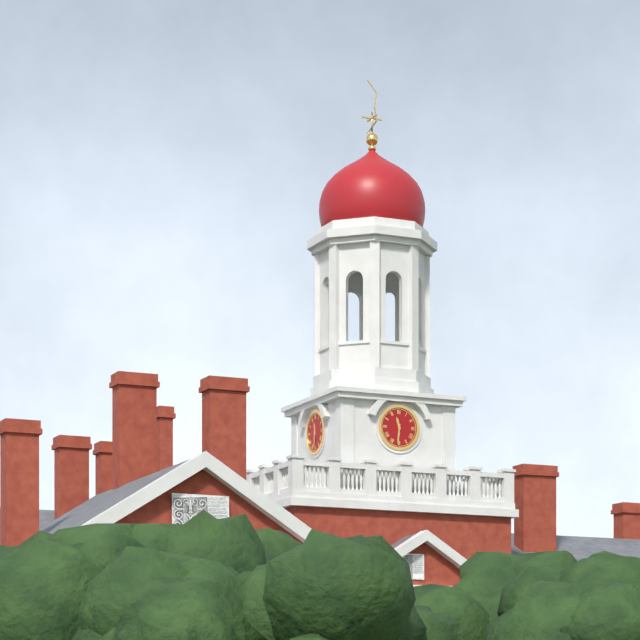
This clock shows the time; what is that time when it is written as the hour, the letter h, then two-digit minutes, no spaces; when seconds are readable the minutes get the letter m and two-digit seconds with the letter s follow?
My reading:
11h31
